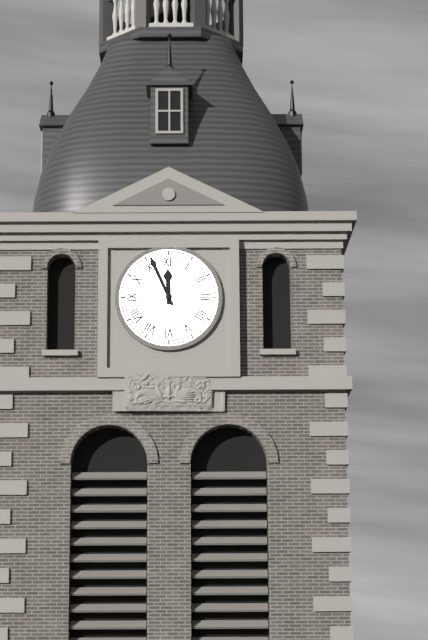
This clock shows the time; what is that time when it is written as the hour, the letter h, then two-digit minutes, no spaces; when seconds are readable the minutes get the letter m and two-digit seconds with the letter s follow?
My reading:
11h56
